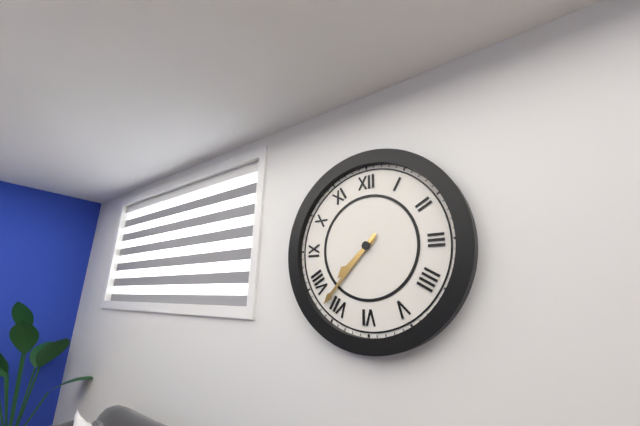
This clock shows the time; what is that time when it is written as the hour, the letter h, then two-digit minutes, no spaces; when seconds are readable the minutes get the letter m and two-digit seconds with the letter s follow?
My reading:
7h37
